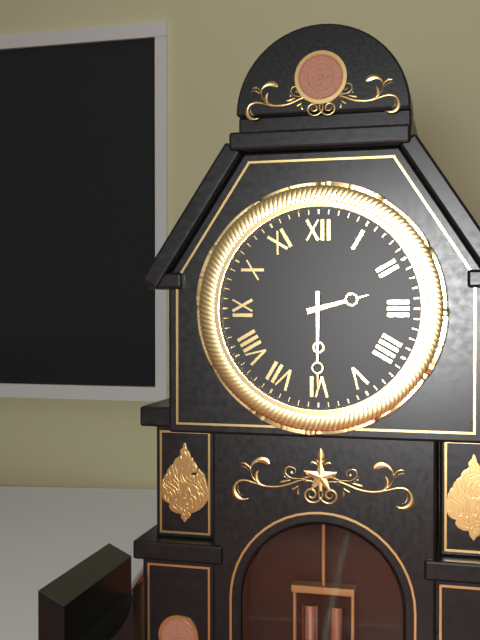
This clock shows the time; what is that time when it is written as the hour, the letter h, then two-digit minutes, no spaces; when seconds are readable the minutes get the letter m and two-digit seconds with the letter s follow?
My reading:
2h30
